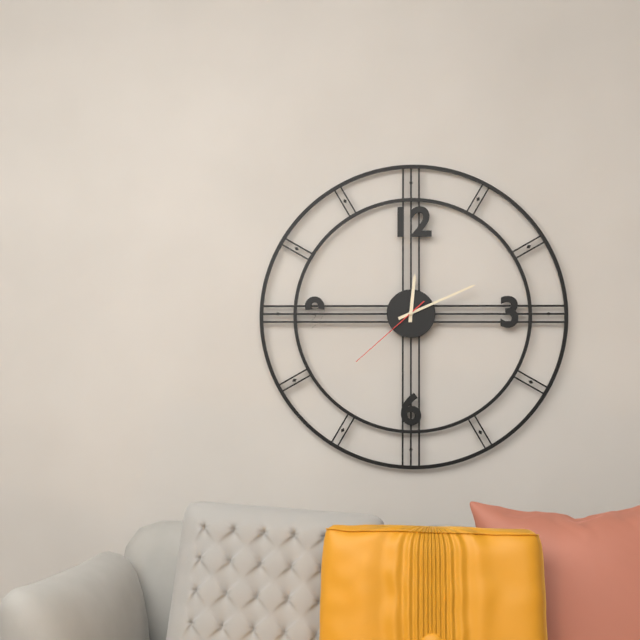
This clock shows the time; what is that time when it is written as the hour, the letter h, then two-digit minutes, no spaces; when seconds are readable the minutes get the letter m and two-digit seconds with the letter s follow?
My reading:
12h11m38s
